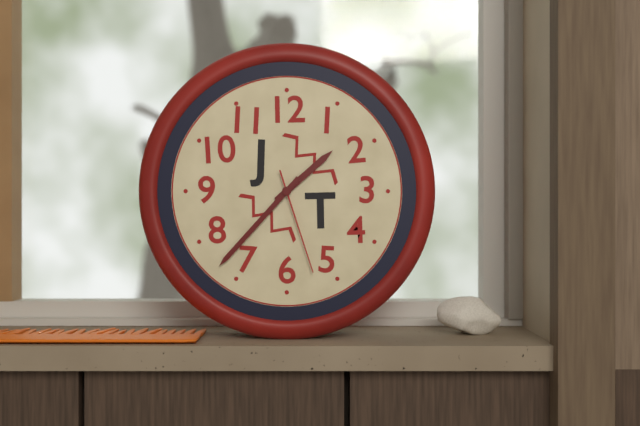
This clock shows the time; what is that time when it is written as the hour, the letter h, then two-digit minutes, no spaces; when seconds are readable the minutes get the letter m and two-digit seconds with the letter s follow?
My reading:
1h37m27s
